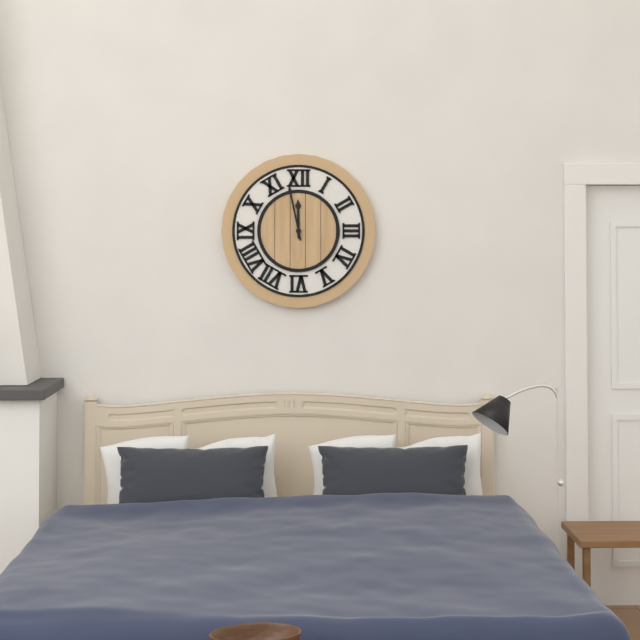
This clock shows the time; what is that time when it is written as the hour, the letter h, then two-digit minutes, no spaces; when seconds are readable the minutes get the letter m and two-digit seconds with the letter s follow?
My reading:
11h58
